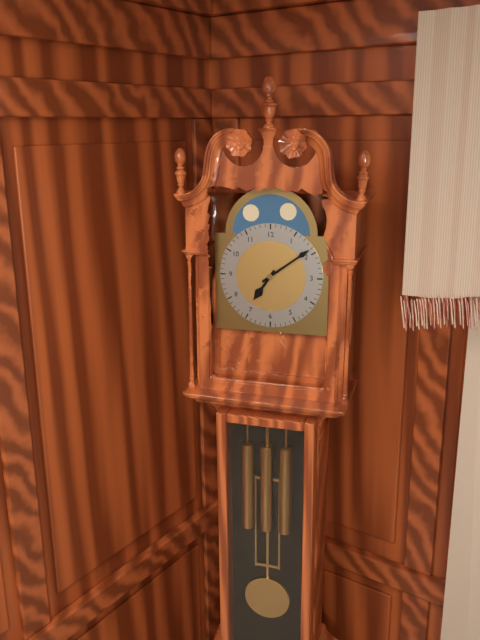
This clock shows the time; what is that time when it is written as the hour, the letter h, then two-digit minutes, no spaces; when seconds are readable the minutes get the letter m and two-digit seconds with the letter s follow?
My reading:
7h09
